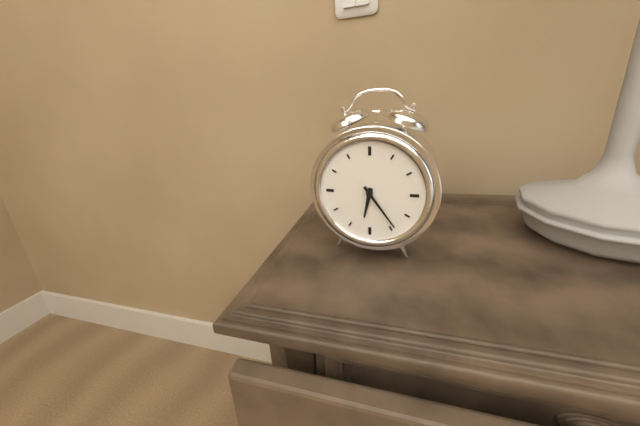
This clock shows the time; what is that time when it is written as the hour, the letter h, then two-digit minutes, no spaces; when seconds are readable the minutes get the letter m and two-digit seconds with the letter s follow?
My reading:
6h24
